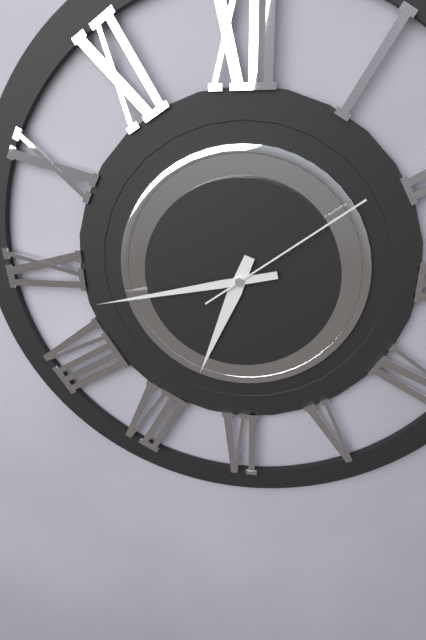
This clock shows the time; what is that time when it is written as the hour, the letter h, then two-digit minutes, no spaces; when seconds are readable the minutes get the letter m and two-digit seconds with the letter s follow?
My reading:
6h43m09s
